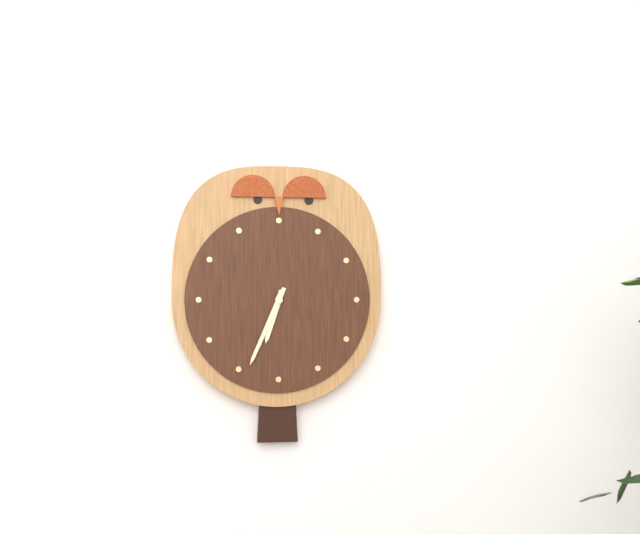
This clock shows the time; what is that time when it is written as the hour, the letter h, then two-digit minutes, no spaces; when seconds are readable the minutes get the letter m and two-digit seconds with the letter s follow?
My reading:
6h34
